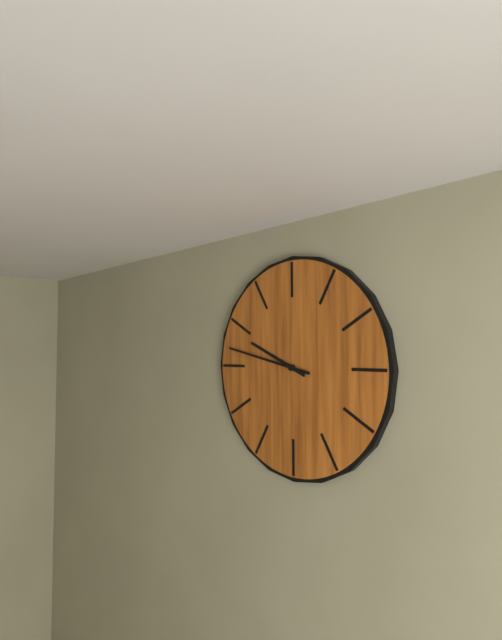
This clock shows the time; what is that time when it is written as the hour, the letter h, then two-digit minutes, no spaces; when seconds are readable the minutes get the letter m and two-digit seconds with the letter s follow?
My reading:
9h47
